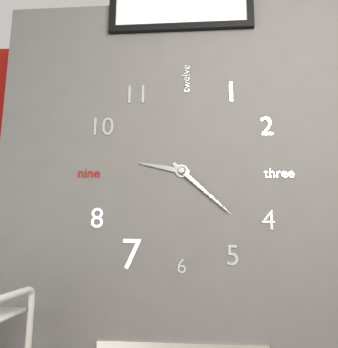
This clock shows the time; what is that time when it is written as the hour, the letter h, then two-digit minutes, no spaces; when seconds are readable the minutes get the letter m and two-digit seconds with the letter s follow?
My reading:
9h22
